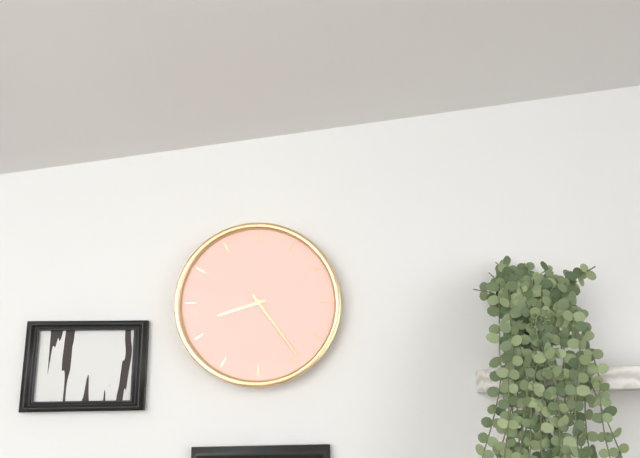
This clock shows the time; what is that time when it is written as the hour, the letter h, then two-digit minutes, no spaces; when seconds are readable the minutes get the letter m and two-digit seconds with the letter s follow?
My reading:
8h24
